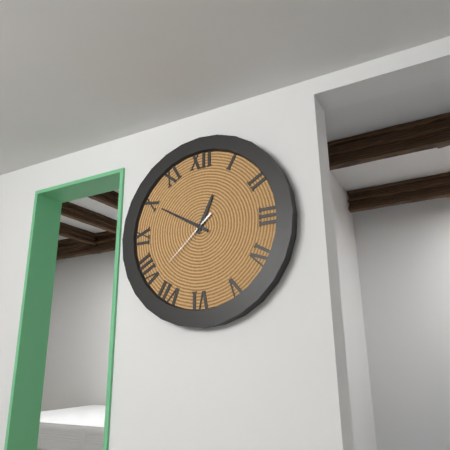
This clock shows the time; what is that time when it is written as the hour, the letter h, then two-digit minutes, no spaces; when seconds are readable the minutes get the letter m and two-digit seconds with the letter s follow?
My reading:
12h50m38s
